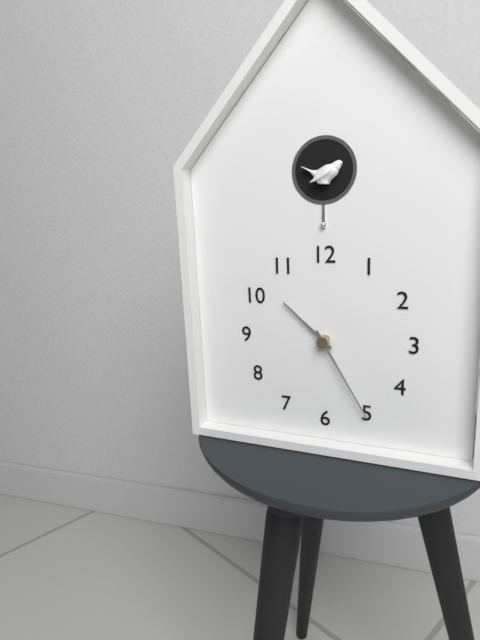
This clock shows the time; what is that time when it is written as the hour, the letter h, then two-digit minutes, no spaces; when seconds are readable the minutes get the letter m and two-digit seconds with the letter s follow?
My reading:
10h25
